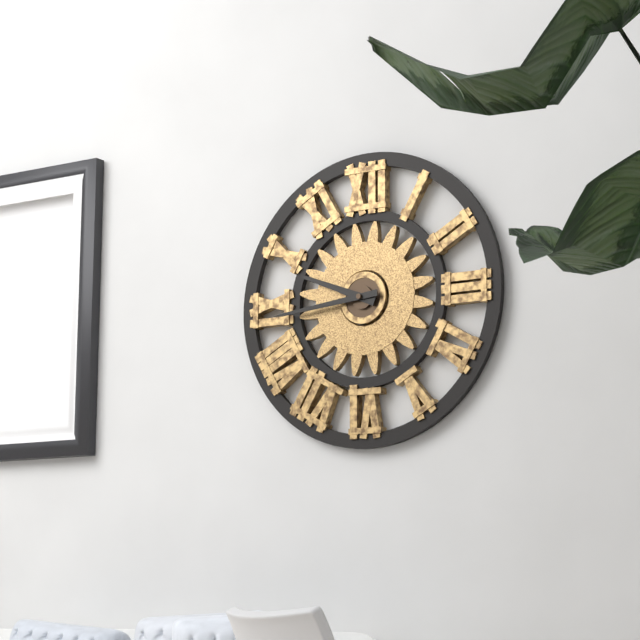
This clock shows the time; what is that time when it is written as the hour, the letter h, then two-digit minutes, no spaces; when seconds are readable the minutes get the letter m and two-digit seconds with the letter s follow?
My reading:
9h44
